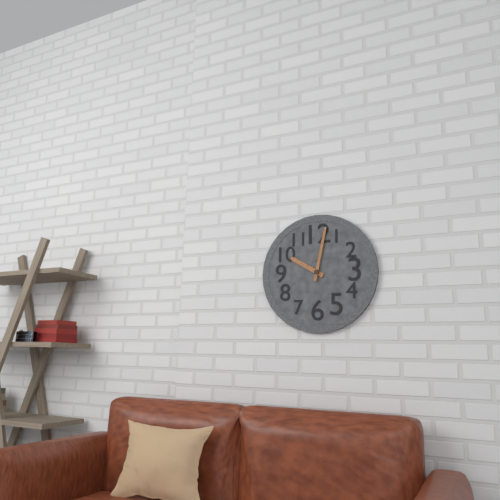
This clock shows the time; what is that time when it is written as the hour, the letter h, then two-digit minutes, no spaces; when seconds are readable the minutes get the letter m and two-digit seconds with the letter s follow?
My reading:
10h02
